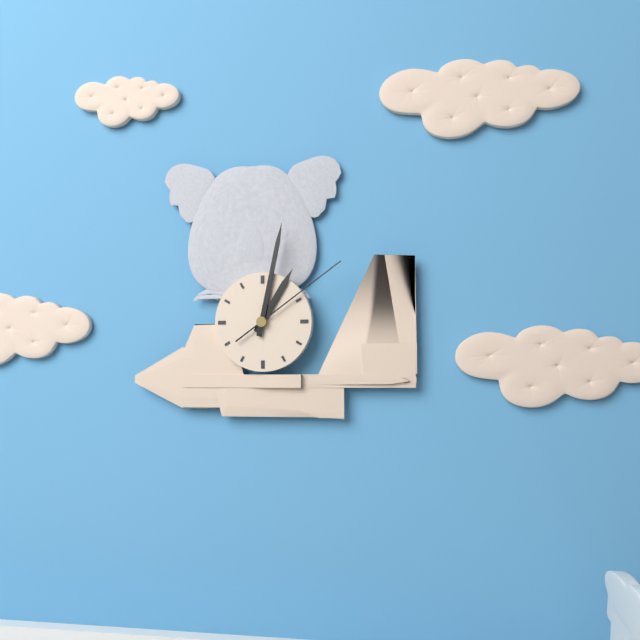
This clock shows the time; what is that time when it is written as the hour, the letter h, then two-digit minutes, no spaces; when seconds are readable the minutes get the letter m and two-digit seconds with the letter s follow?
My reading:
1h02m09s
